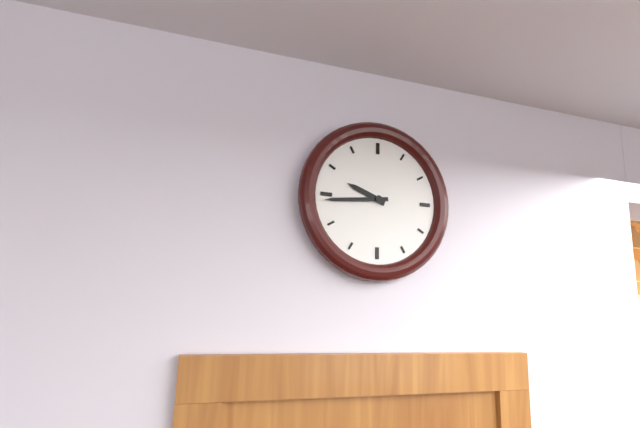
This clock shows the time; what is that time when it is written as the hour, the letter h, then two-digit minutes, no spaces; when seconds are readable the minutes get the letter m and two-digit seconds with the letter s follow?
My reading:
9h44
